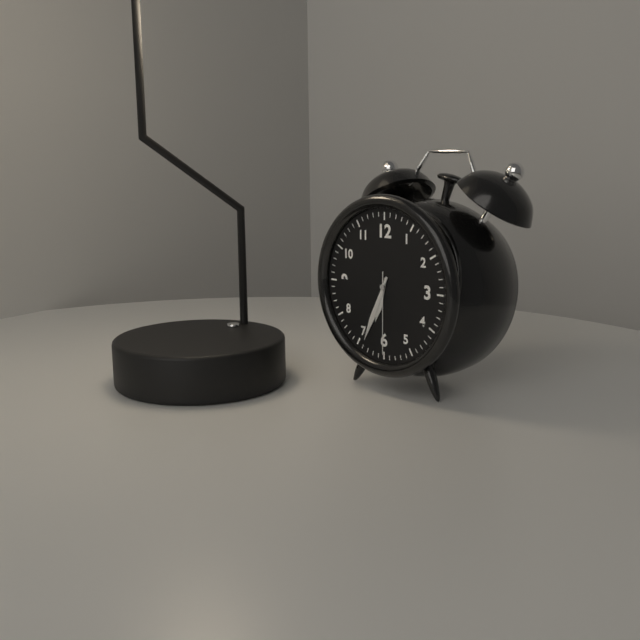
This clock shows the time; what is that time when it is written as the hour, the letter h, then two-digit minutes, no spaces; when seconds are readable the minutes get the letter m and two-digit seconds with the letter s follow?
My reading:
6h34m30s
